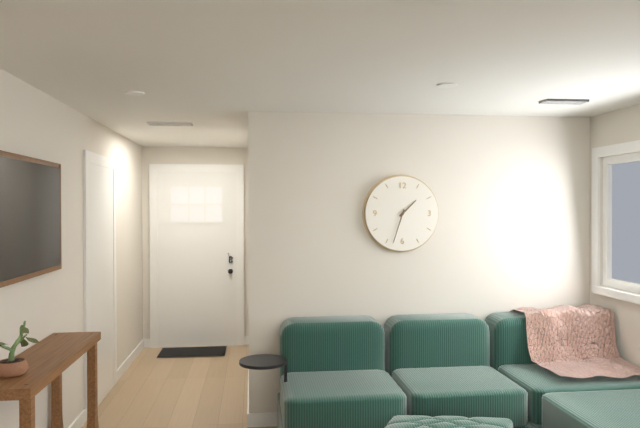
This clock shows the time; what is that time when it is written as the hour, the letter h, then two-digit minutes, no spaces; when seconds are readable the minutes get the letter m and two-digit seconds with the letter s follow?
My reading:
1h33
